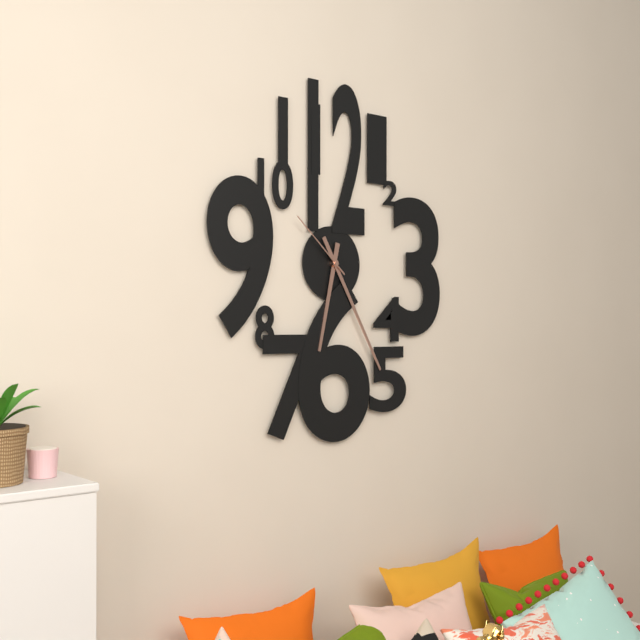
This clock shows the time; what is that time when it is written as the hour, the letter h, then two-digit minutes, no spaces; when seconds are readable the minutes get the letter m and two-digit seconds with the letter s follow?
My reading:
6h25m52s
